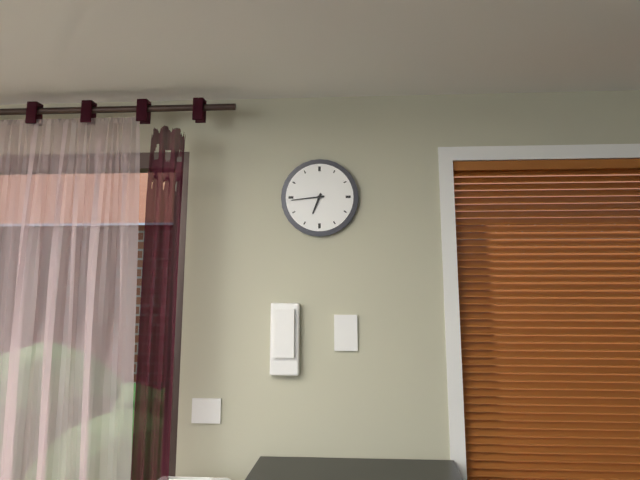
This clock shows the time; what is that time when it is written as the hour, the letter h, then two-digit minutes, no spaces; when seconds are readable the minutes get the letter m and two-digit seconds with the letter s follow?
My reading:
6h44
